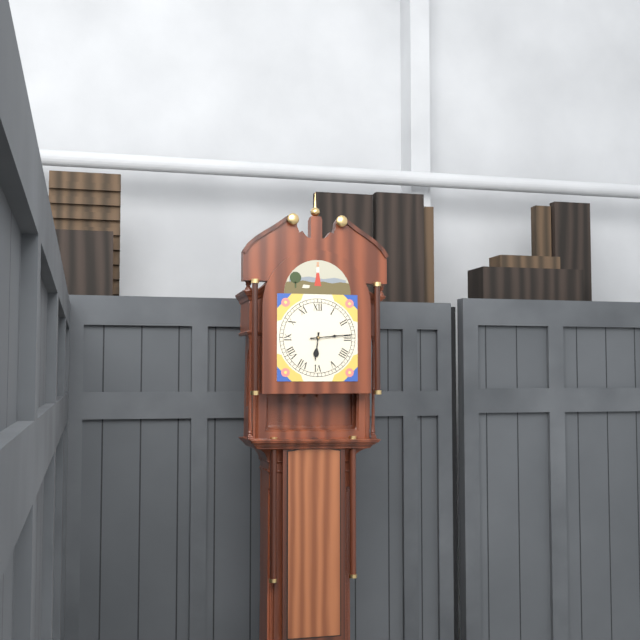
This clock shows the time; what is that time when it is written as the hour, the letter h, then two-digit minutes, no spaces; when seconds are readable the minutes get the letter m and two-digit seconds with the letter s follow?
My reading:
6h14
